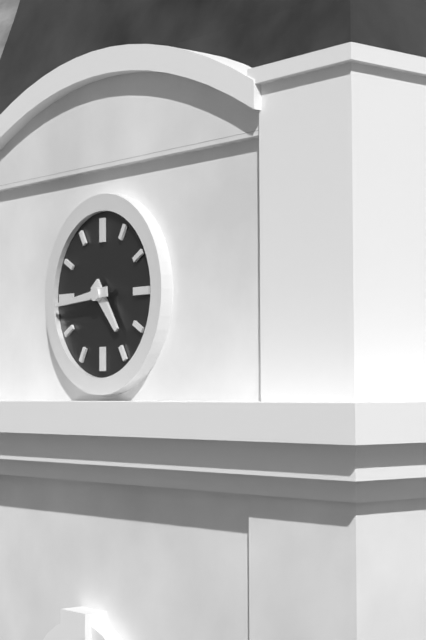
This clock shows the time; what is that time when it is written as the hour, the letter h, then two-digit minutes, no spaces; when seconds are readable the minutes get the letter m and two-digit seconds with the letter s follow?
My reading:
4h44
